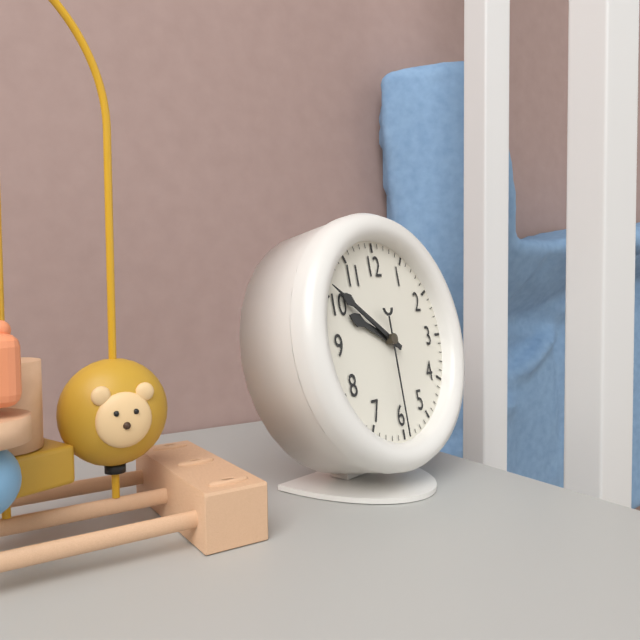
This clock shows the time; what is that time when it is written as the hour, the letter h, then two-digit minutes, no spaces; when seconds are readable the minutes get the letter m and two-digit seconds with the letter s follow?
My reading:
9h51m30s
